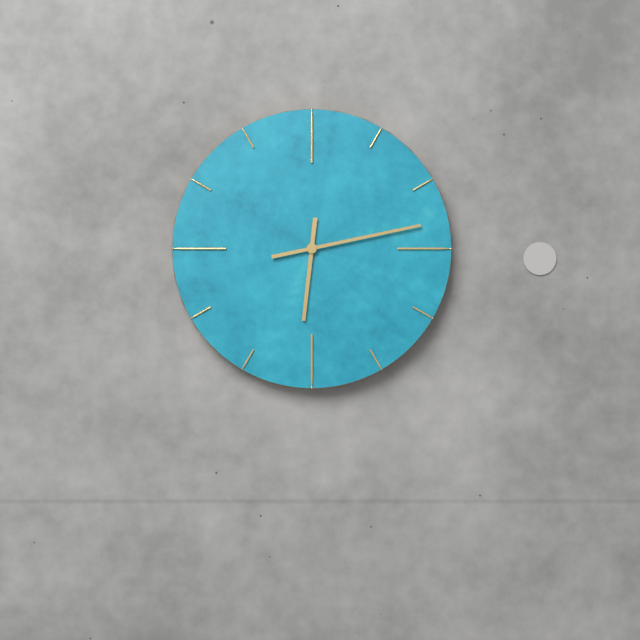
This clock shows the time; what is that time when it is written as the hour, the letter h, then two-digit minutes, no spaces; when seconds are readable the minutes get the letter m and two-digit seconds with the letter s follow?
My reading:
6h13
